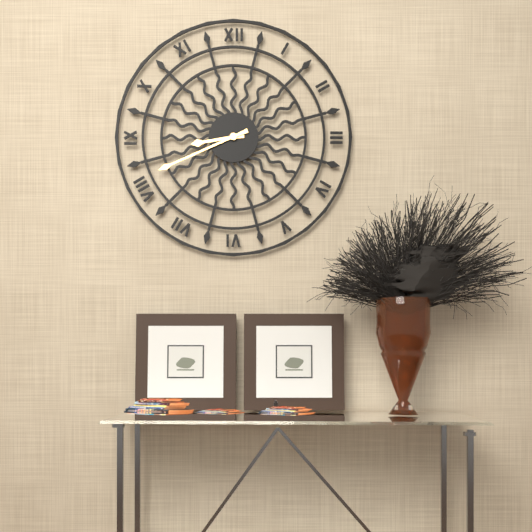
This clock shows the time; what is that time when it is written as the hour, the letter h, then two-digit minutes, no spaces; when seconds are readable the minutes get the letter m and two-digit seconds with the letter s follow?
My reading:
8h41
